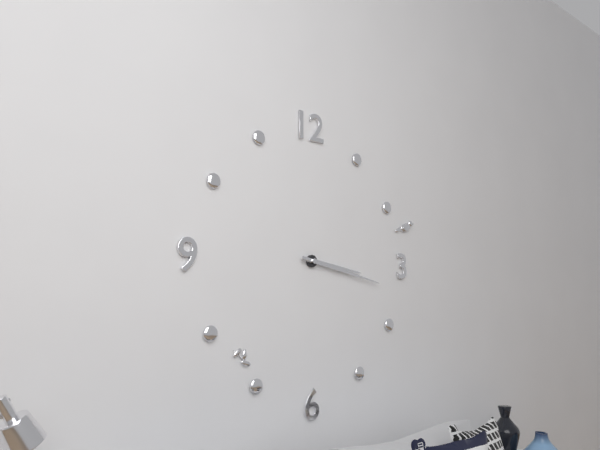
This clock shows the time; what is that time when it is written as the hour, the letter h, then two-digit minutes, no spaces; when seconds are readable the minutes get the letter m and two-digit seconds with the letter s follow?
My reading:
3h17
